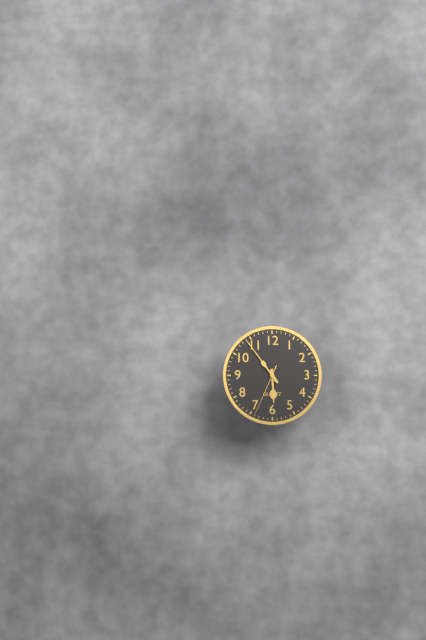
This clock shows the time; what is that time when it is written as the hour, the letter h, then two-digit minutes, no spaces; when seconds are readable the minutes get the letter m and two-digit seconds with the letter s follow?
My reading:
5h54m34s
